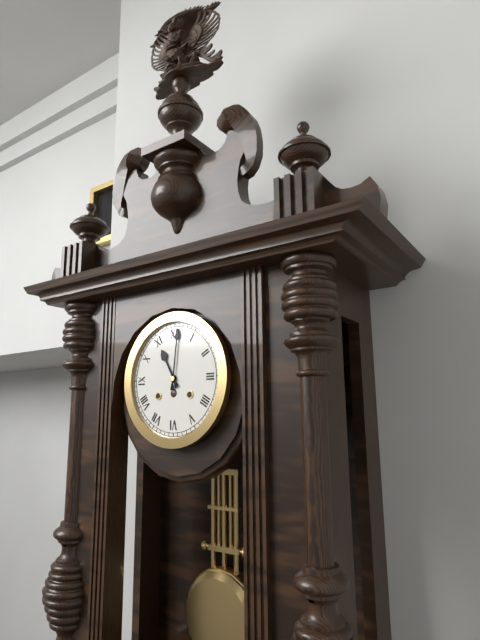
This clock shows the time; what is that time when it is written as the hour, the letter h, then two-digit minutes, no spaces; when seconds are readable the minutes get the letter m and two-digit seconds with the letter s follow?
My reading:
11h01
